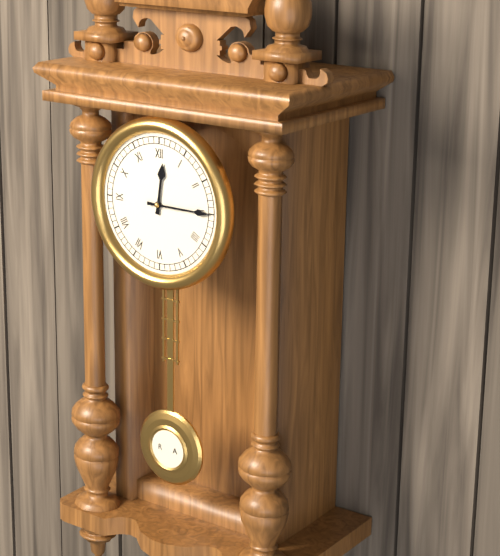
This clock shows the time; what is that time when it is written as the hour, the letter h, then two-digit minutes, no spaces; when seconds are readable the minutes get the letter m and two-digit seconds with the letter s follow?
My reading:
12h15
